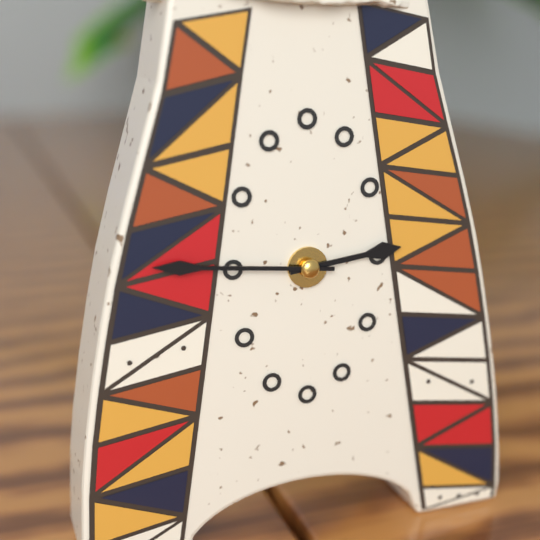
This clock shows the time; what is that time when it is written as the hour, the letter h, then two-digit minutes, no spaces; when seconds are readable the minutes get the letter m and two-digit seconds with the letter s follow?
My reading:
2h46
